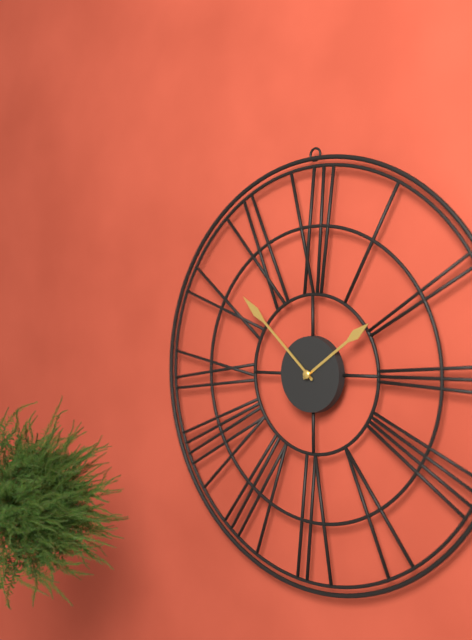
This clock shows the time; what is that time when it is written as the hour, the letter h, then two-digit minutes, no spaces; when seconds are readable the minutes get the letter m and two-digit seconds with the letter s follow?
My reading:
1h52
